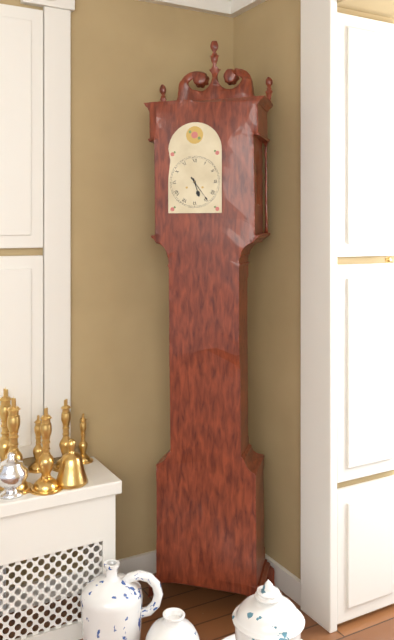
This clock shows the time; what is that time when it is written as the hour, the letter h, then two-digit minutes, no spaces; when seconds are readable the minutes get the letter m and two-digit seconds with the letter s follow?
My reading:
5h24
